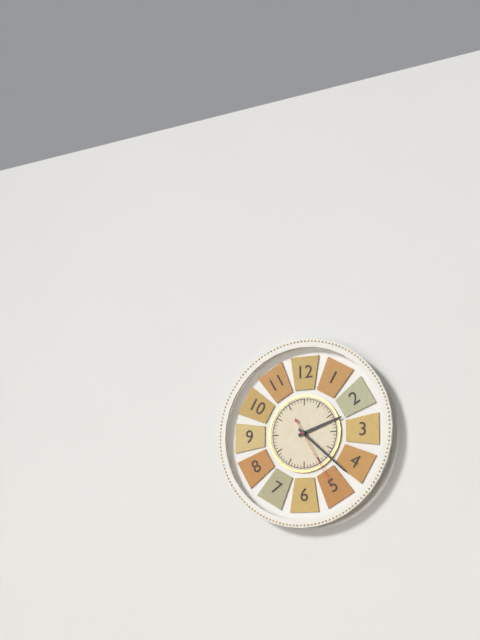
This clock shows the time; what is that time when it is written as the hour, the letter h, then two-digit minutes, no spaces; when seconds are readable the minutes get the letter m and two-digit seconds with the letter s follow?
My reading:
2h22m25s
